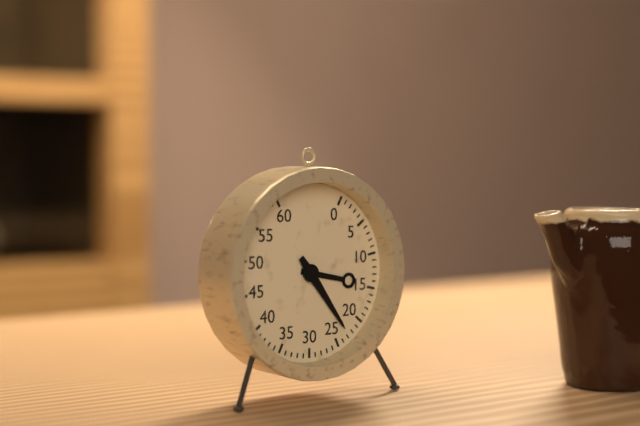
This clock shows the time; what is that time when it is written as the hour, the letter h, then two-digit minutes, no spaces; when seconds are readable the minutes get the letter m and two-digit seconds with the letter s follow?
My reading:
3h24
